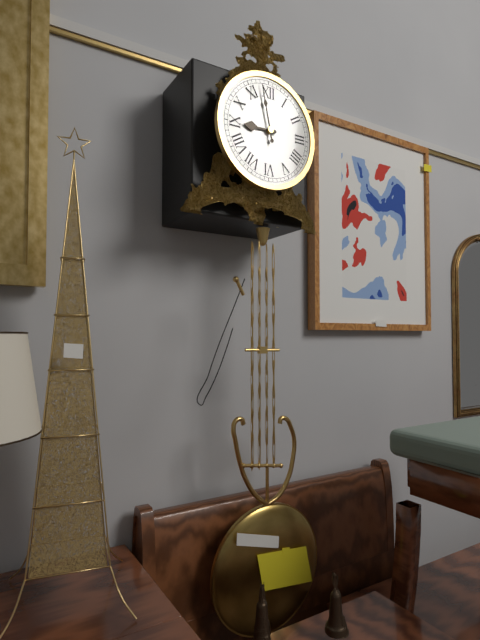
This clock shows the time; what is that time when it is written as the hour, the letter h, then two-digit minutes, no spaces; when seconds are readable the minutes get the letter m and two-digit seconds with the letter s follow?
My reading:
8h58
